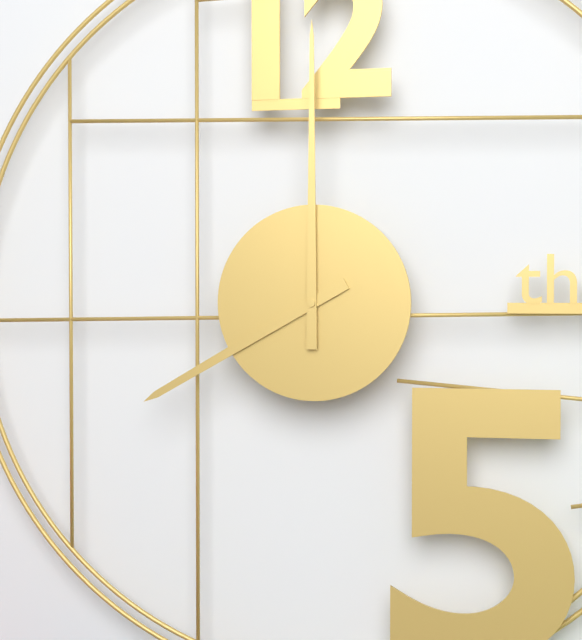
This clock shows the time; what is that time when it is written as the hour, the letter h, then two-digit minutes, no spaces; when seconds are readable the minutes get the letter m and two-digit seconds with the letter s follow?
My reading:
8h00
